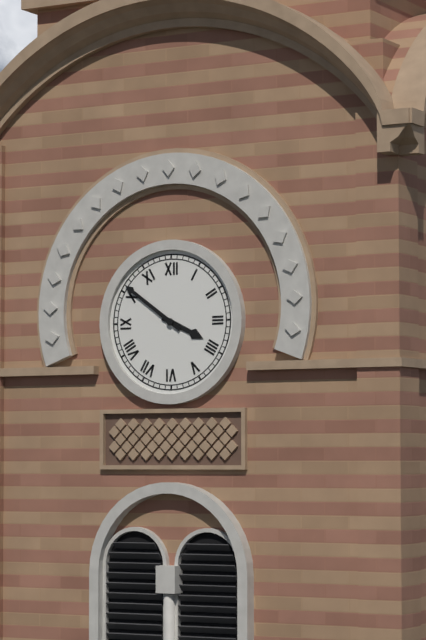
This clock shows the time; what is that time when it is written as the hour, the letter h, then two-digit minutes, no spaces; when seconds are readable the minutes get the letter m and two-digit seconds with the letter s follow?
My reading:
3h51
